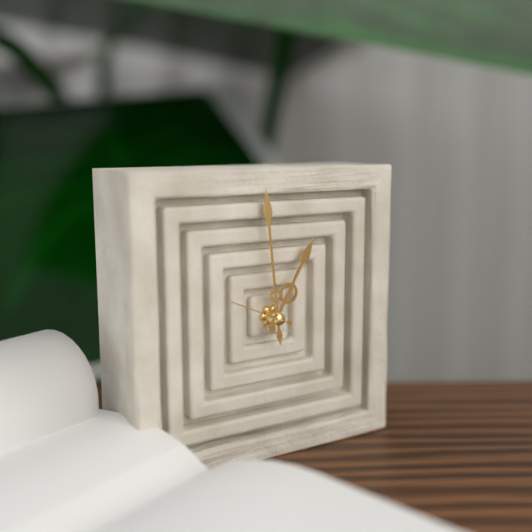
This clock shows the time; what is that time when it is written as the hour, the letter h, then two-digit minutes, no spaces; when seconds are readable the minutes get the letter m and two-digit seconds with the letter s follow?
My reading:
12h59m49s
